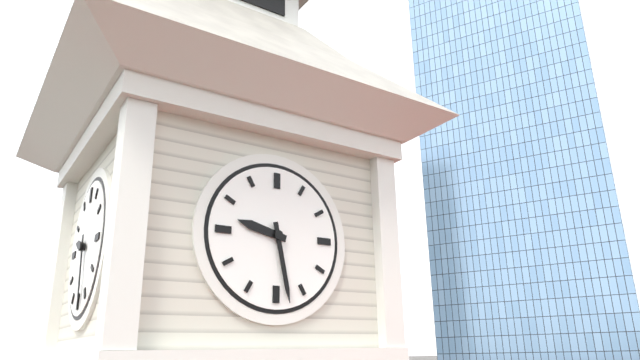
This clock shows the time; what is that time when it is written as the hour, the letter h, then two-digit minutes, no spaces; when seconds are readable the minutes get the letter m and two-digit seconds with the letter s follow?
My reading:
9h28
